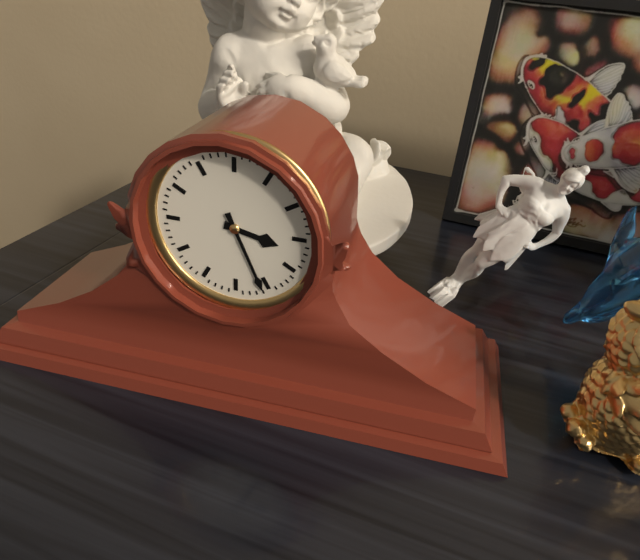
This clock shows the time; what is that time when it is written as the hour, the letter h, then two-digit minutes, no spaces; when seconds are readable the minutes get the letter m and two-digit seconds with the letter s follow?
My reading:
3h26
